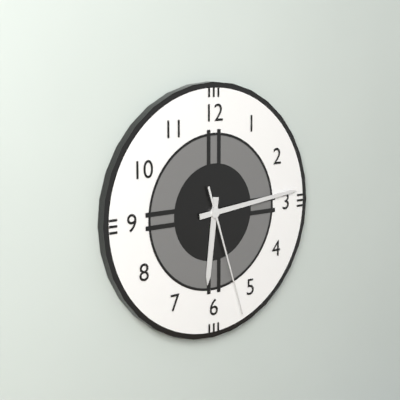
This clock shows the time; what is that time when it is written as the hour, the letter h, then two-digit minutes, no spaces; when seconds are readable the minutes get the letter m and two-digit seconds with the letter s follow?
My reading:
6h14m27s
